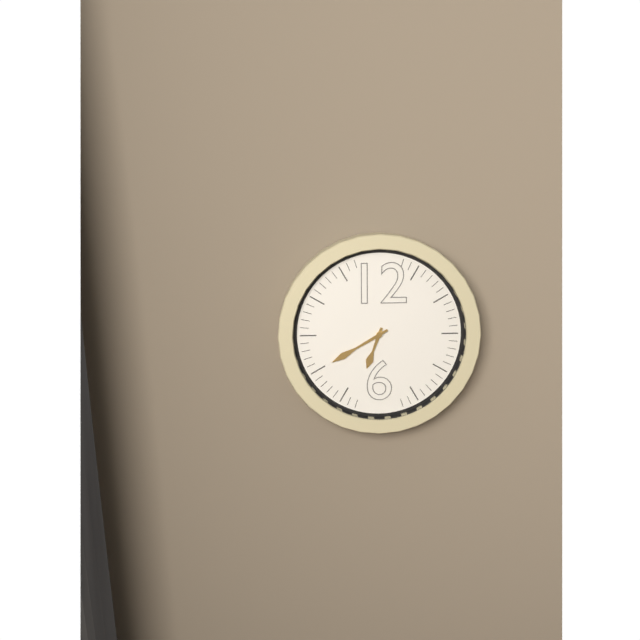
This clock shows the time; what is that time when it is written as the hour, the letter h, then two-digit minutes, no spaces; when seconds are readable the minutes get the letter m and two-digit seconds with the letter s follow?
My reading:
6h40
